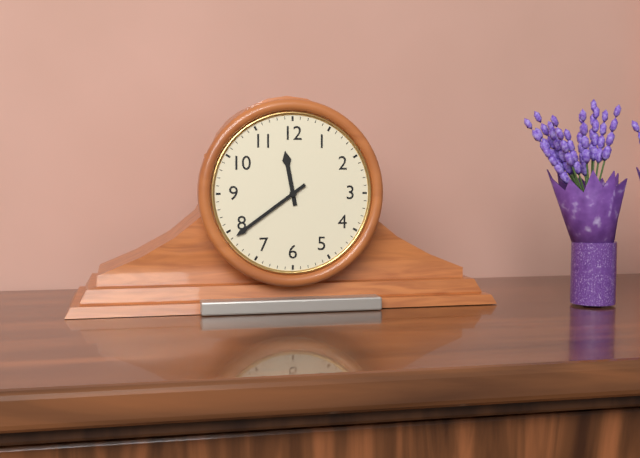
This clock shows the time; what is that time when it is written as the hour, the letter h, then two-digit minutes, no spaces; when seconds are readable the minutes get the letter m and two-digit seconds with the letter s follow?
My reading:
11h39
